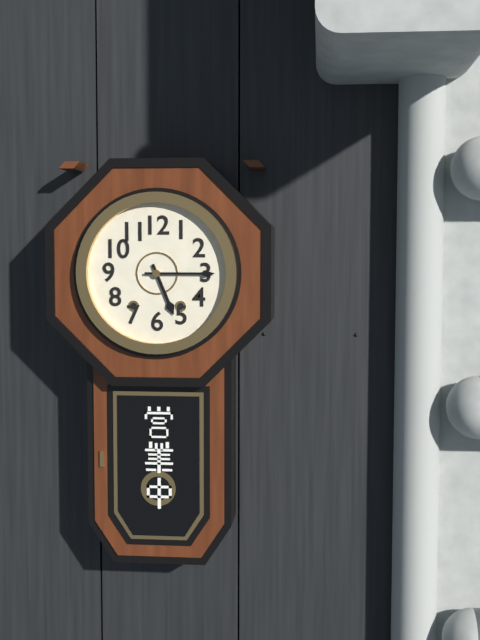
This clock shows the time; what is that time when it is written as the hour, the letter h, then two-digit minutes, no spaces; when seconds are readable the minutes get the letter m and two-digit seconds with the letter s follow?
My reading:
5h15
